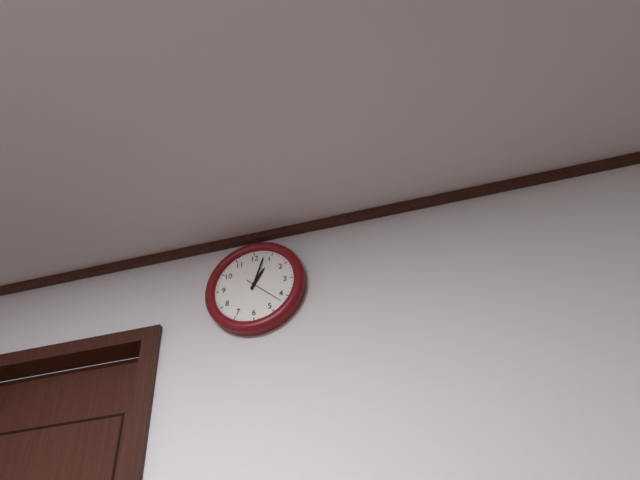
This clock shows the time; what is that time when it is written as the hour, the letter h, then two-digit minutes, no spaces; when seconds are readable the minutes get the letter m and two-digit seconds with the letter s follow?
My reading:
1h03
